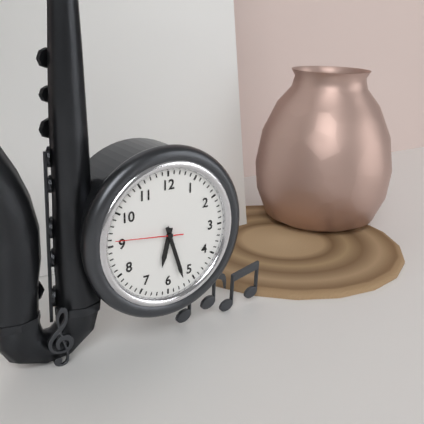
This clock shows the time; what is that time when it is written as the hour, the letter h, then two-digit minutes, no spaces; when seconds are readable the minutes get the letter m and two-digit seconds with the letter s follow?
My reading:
6h27m46s
